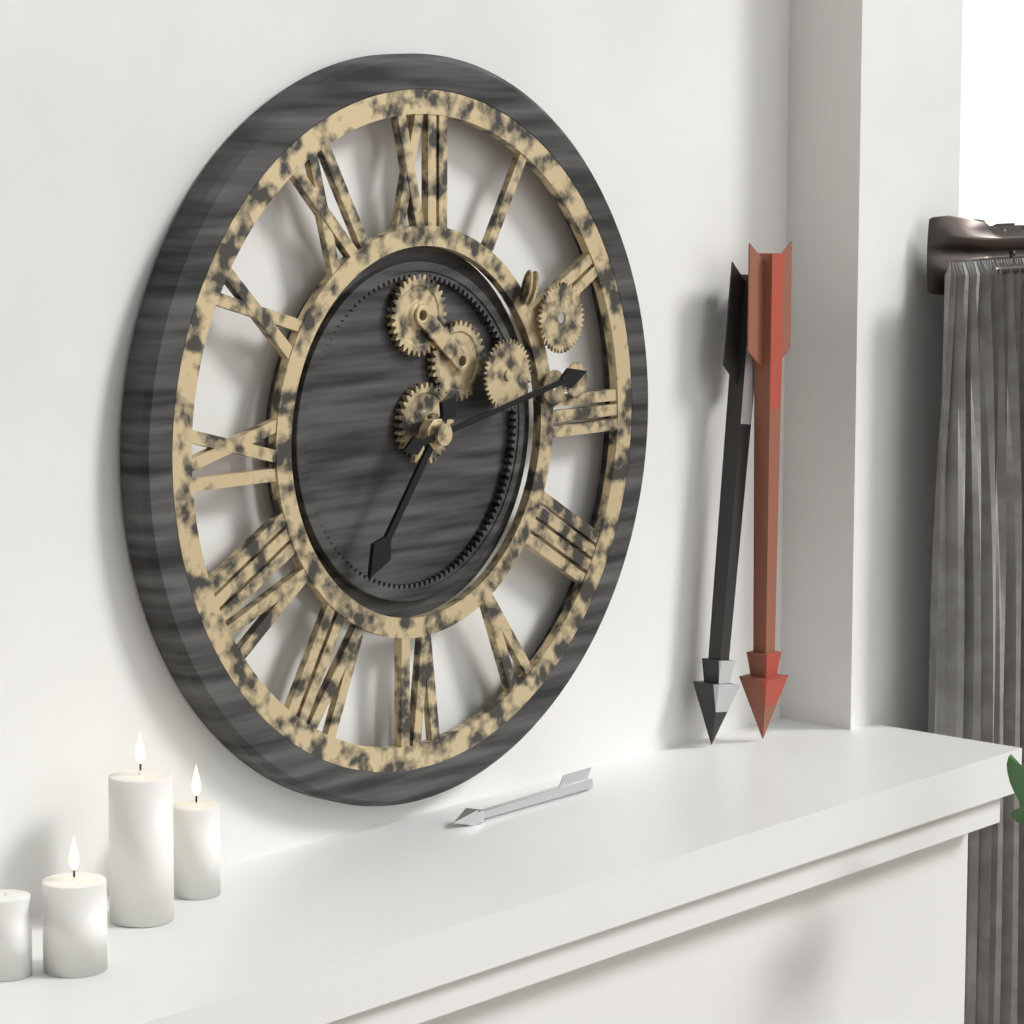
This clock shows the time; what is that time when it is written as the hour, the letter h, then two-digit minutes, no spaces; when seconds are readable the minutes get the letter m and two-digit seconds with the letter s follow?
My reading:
7h13
